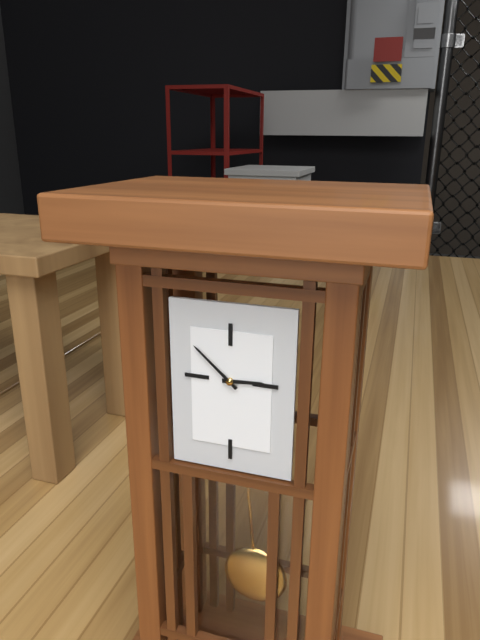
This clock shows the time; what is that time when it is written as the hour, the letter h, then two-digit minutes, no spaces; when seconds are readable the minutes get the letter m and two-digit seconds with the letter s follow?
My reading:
2h52
